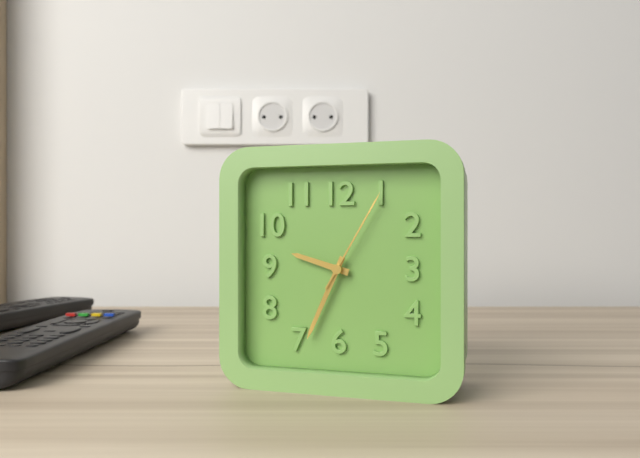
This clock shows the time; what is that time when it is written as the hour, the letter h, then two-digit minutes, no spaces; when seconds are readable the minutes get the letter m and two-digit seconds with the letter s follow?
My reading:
9h34m05s
